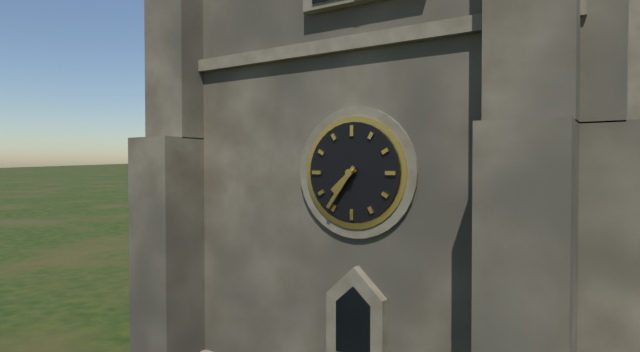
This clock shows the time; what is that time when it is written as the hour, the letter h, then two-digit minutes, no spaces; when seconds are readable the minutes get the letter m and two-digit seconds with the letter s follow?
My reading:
7h36
